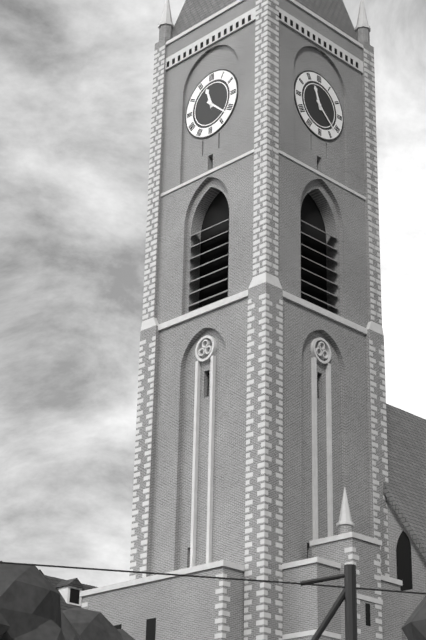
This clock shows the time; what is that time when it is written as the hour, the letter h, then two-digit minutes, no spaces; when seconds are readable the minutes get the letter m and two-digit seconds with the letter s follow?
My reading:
11h22
